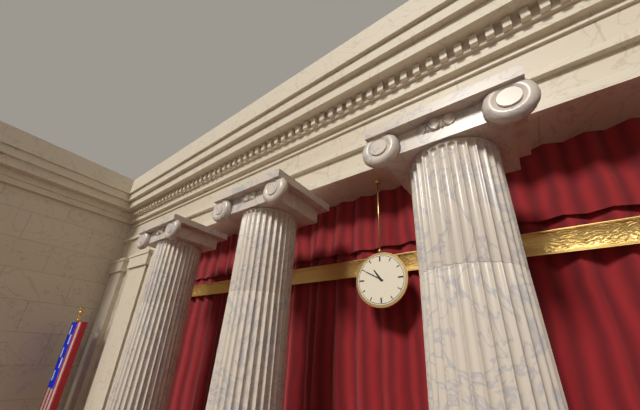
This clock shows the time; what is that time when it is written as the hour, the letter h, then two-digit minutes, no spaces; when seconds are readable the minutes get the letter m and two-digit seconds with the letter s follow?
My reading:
10h50
